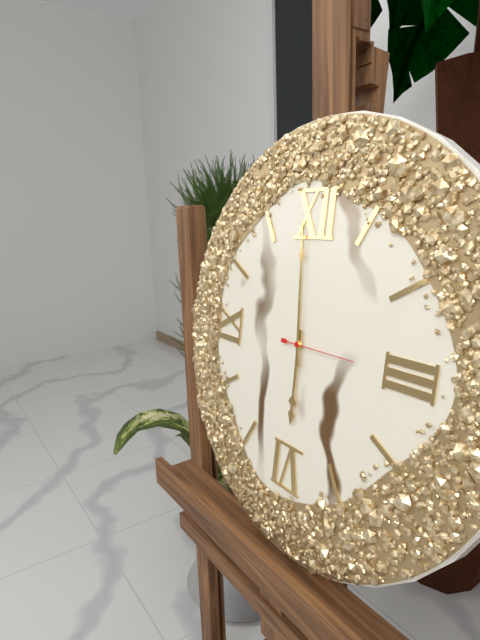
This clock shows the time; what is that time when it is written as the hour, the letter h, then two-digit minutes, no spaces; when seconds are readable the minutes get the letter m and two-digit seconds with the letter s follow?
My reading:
5h59m15s
